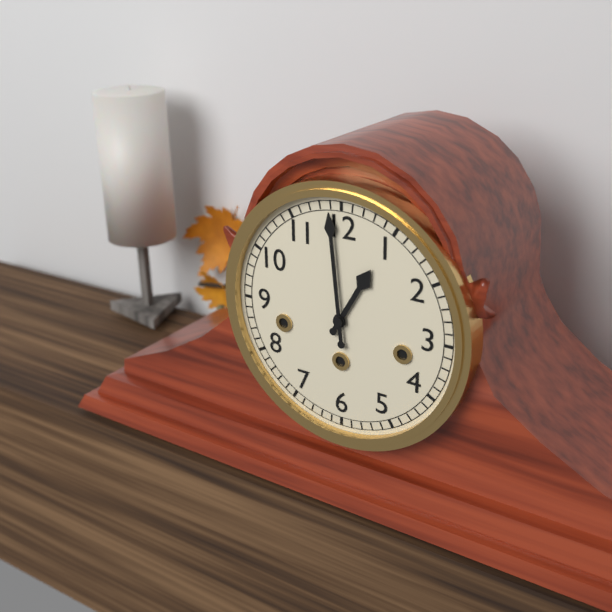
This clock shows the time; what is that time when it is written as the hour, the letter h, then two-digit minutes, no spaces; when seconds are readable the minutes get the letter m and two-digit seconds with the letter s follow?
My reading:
12h59
